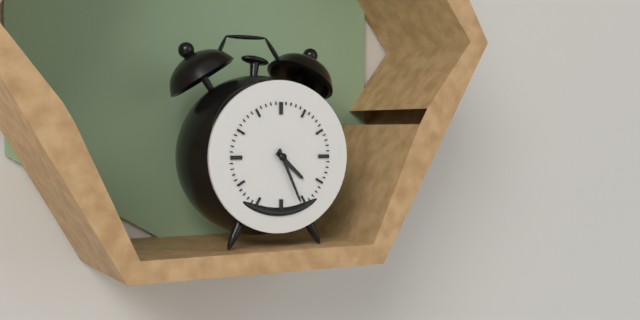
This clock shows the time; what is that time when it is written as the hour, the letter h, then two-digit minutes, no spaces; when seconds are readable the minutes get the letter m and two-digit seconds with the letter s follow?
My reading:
4h26
